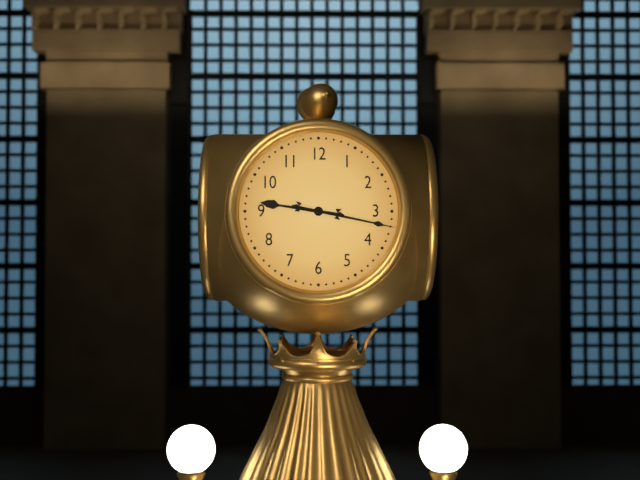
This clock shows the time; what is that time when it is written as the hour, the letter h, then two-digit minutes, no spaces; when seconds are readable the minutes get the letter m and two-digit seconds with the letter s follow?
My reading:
9h17
